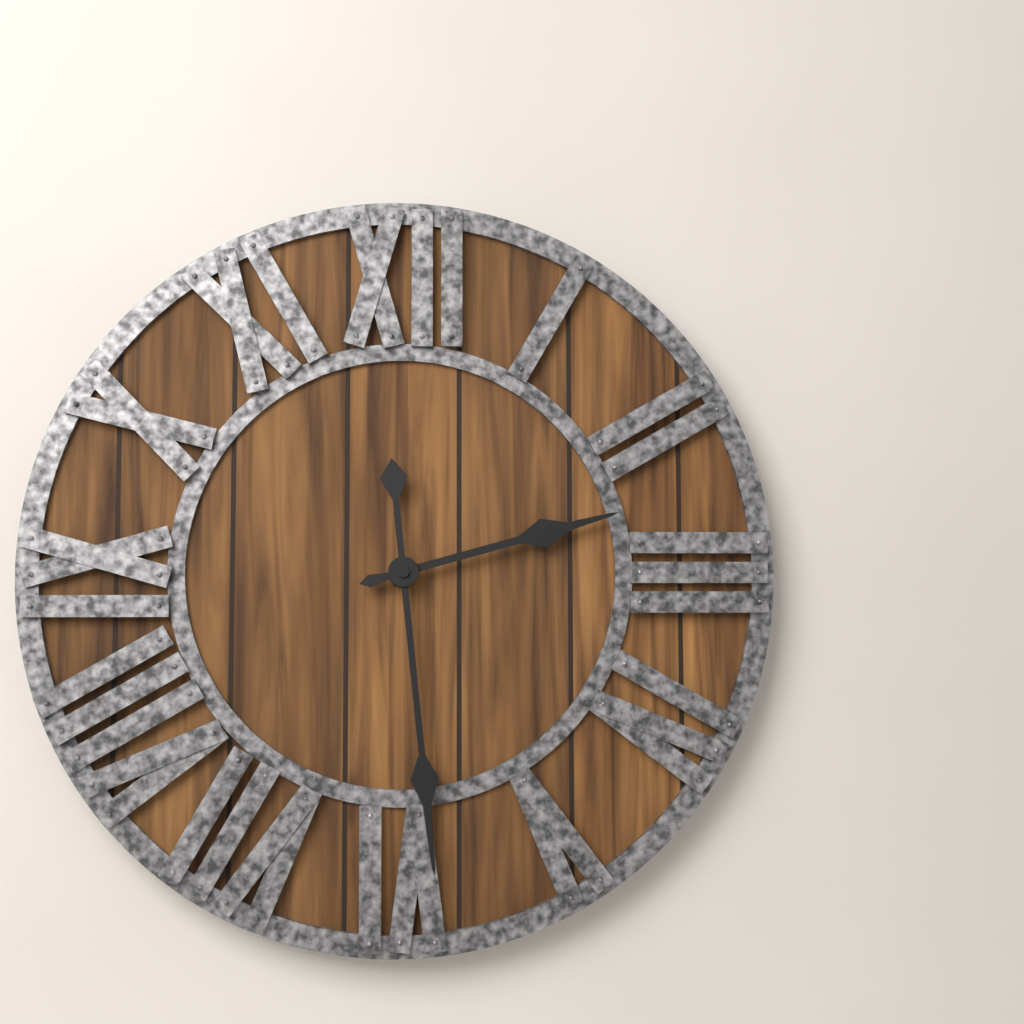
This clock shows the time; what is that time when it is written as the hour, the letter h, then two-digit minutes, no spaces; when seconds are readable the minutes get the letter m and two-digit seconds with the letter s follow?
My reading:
2h29
